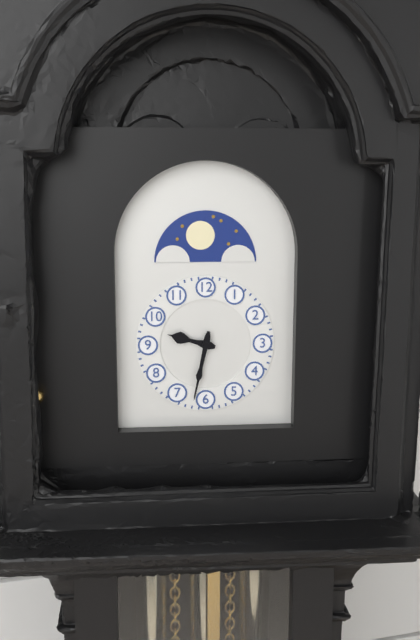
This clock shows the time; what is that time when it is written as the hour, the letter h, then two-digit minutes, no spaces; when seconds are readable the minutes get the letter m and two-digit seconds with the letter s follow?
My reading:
9h32
